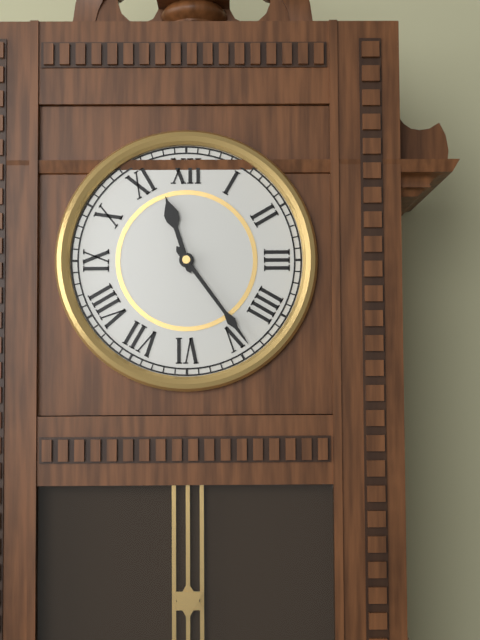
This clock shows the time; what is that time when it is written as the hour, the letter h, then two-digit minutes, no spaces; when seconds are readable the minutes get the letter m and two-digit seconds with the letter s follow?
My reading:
11h24
